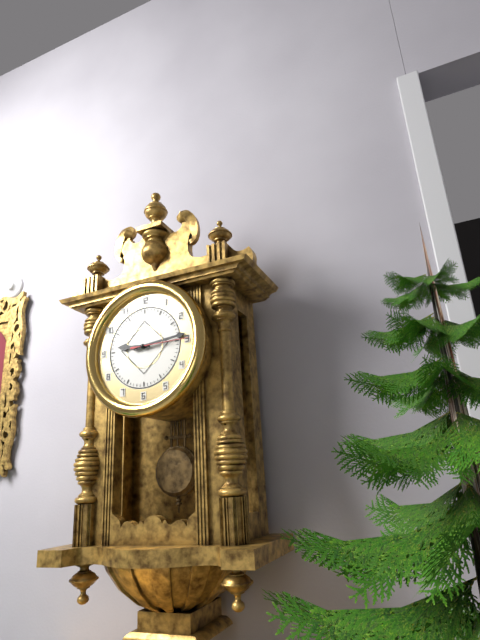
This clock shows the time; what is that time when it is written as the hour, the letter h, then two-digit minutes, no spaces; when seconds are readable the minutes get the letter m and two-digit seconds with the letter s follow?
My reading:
9h14m15s
